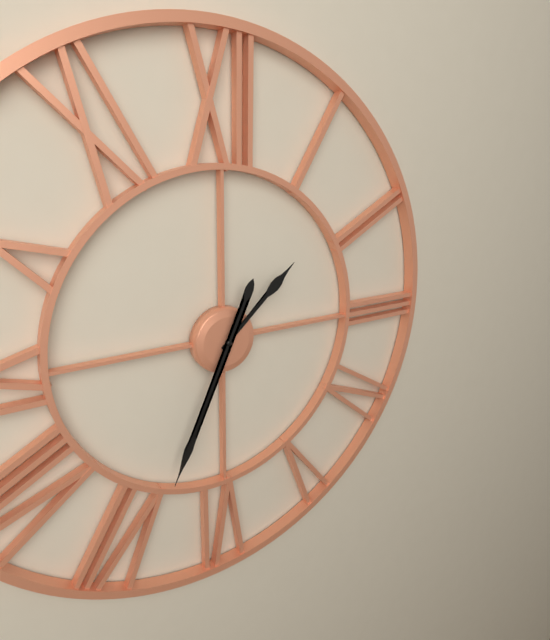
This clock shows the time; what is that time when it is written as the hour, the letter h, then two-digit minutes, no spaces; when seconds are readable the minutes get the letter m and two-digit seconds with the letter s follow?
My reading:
1h34
